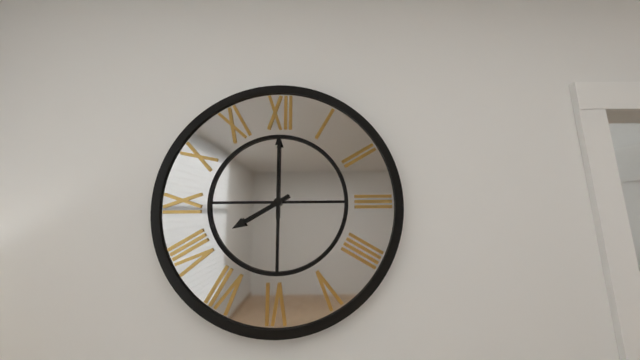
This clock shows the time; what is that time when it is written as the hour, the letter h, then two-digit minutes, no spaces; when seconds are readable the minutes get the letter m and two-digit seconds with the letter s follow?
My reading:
8h00
